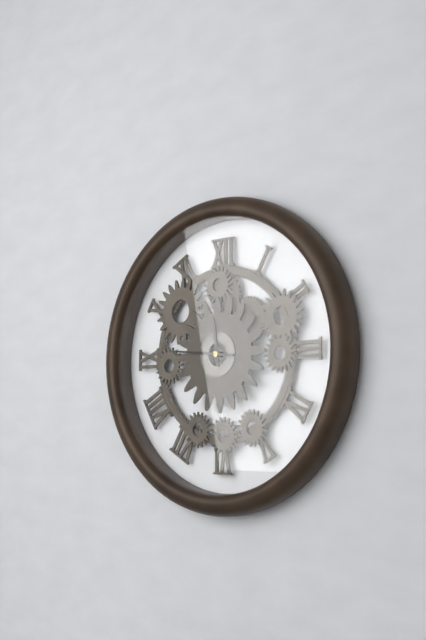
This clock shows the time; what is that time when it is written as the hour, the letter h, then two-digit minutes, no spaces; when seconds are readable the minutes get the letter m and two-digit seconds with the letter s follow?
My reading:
11h46
